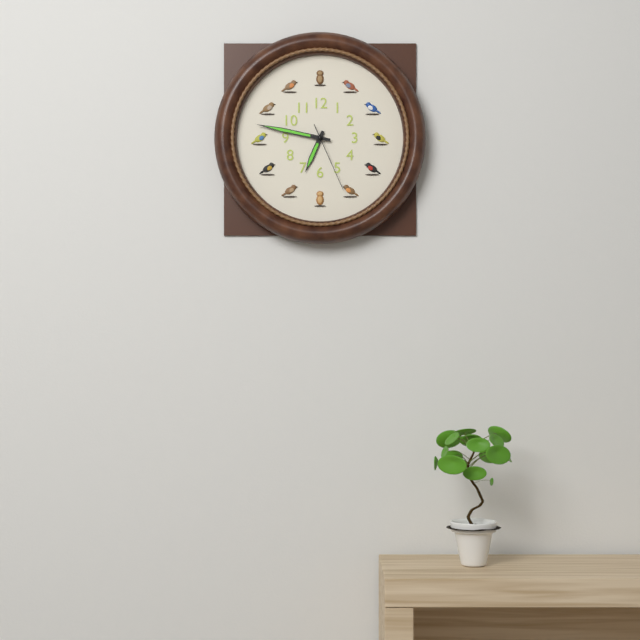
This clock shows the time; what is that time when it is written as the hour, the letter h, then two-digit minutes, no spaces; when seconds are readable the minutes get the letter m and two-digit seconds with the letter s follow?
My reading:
6h47m26s
